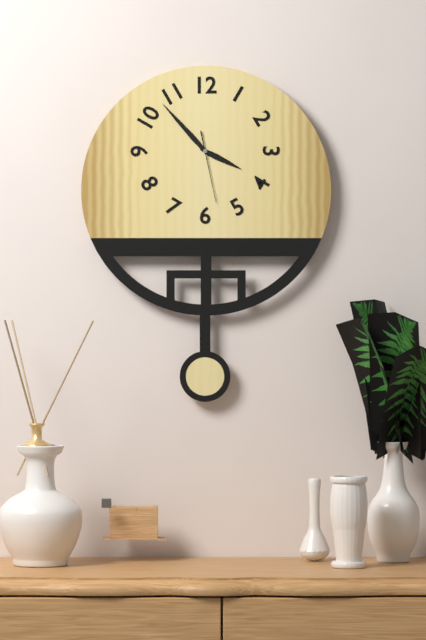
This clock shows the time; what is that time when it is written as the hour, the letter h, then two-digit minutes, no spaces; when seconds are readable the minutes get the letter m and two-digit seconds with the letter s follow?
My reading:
3h53m28s
